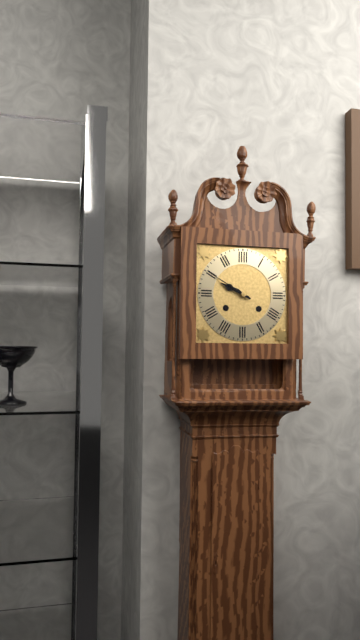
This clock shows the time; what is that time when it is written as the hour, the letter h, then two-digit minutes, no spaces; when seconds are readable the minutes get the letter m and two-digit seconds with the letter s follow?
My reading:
9h50
